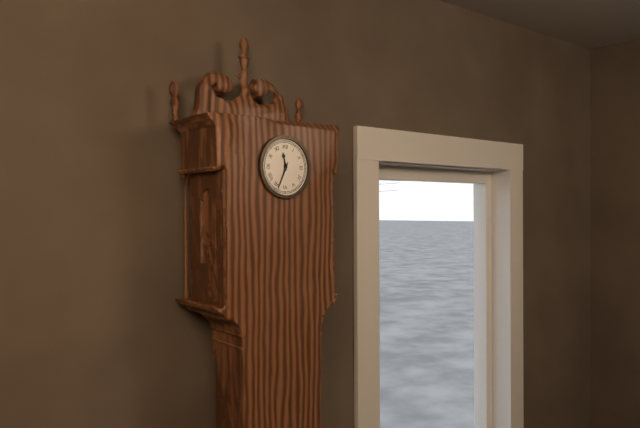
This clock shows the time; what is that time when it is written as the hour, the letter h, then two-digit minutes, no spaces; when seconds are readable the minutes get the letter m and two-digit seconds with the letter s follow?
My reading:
11h34
